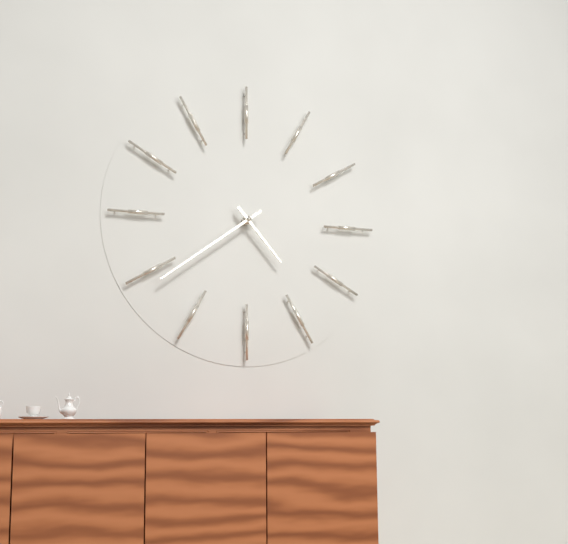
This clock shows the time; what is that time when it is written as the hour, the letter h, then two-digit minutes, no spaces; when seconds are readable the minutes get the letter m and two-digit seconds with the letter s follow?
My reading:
4h39
